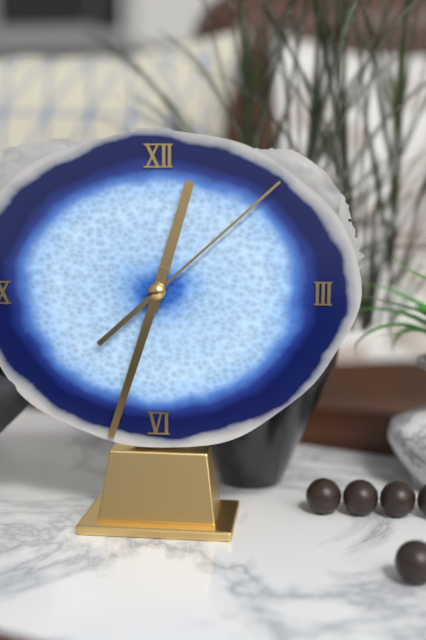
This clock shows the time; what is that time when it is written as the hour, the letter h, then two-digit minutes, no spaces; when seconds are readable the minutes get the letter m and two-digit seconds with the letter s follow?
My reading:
12h33m08s
